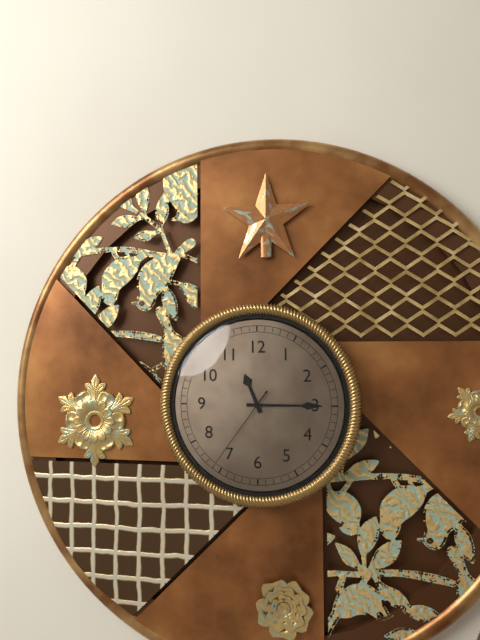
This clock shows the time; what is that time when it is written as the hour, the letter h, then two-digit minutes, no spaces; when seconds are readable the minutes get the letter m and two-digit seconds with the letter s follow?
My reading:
11h15m36s
